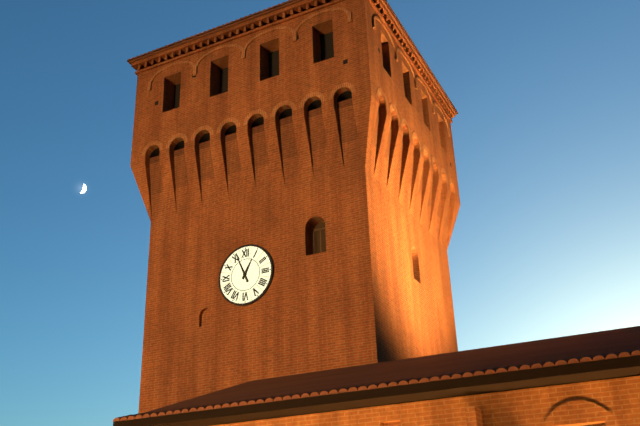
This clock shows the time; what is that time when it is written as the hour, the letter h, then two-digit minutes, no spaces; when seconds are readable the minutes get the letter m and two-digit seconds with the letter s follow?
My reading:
12h56
